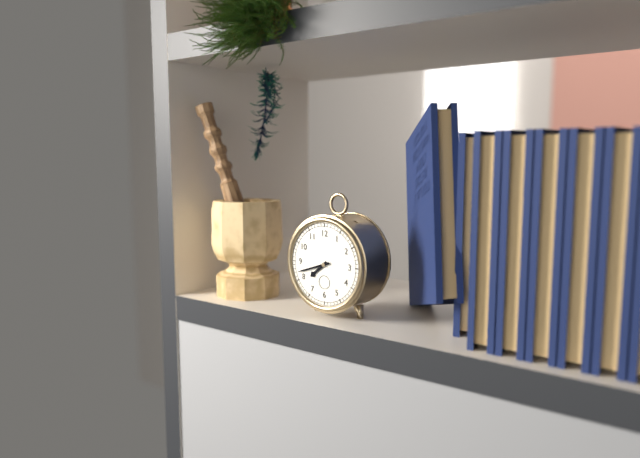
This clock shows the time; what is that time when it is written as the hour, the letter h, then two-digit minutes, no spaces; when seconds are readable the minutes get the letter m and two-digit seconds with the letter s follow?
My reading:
7h42
